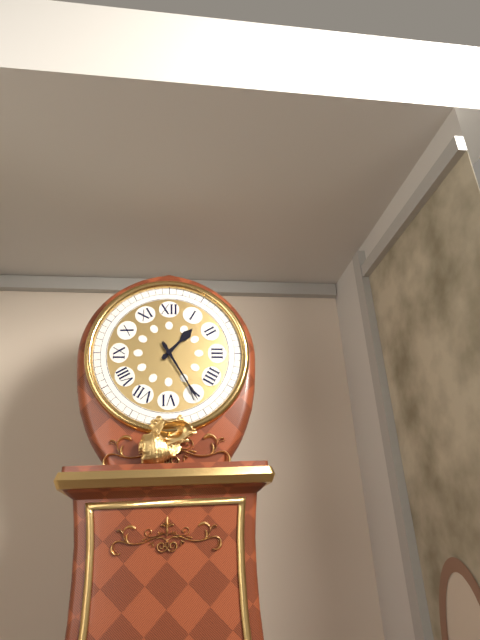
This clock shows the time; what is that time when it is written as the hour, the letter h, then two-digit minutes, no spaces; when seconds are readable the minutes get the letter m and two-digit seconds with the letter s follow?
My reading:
1h25
